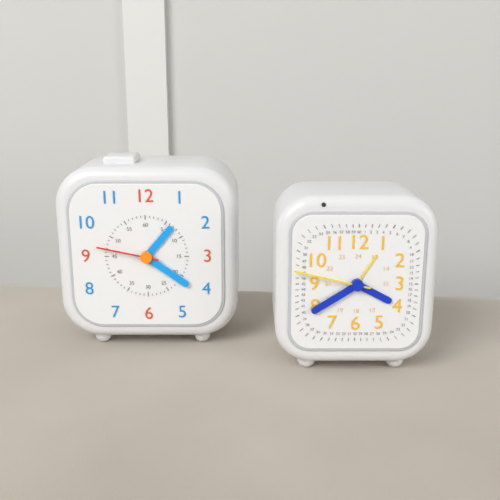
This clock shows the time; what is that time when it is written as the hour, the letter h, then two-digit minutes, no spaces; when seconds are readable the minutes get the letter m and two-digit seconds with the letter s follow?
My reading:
1h21m47s
